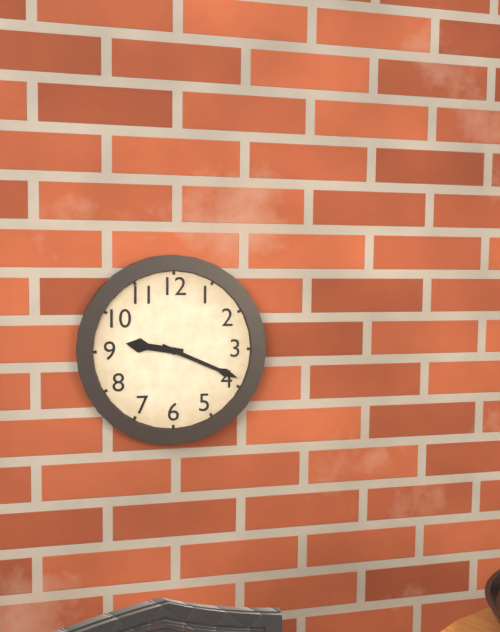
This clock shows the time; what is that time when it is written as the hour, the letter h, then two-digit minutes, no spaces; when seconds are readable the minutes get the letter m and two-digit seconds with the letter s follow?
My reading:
9h19
